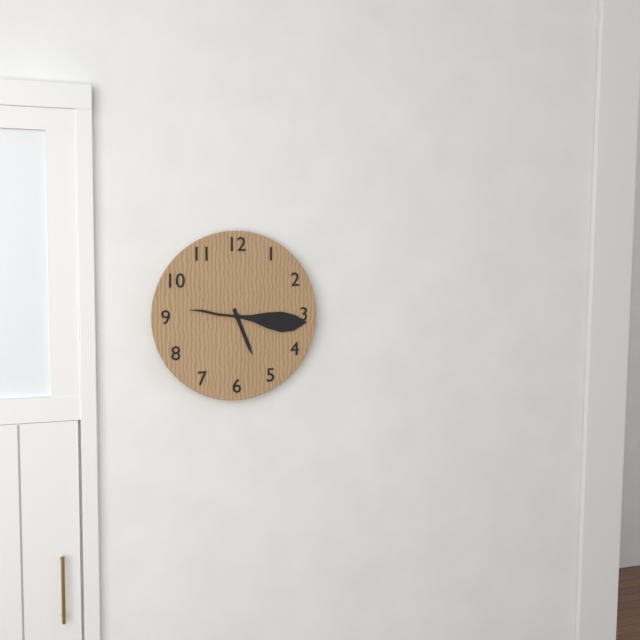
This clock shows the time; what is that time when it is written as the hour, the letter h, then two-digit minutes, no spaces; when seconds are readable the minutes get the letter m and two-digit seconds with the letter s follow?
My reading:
5h16
